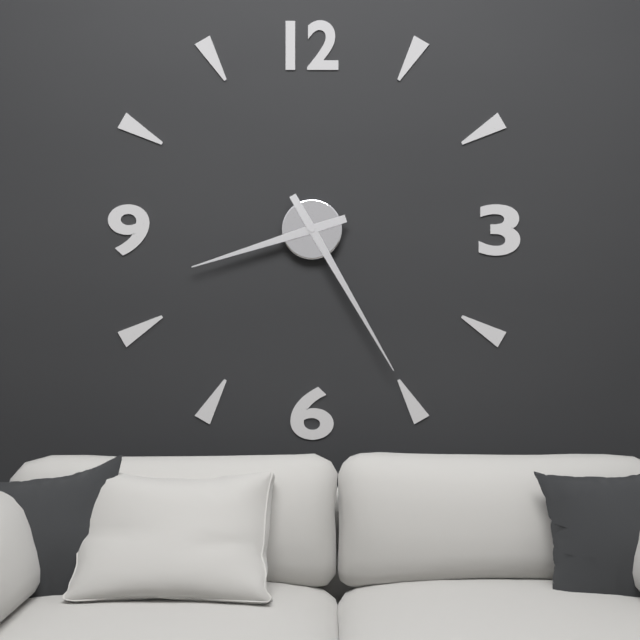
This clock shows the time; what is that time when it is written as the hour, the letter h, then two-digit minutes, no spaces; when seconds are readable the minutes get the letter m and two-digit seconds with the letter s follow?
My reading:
8h25
